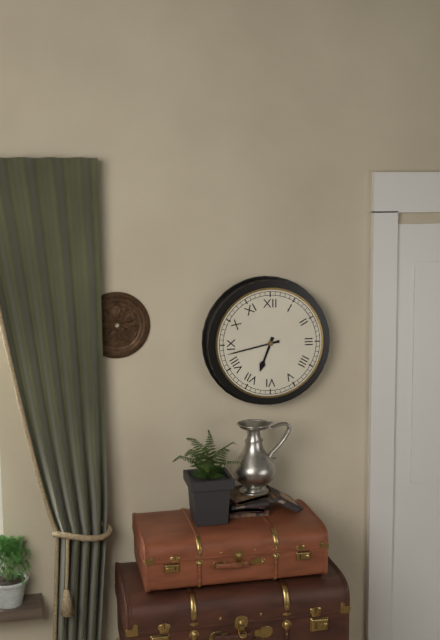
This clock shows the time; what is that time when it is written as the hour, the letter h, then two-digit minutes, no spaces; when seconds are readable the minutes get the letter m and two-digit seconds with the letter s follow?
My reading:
6h43
